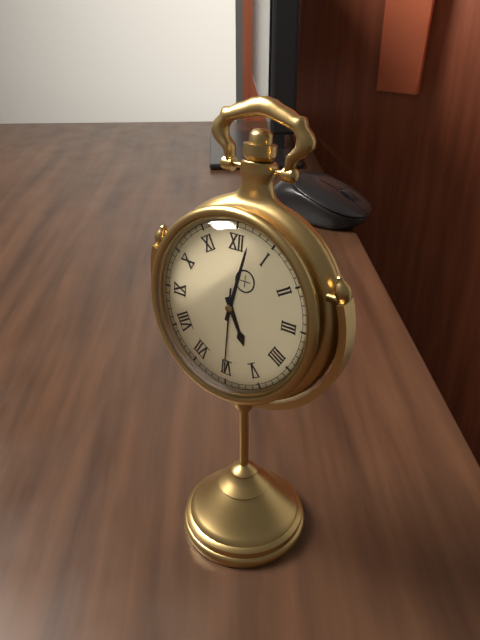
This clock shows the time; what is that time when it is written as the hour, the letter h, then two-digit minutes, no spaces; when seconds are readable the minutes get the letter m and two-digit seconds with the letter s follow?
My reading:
5h02m30s
